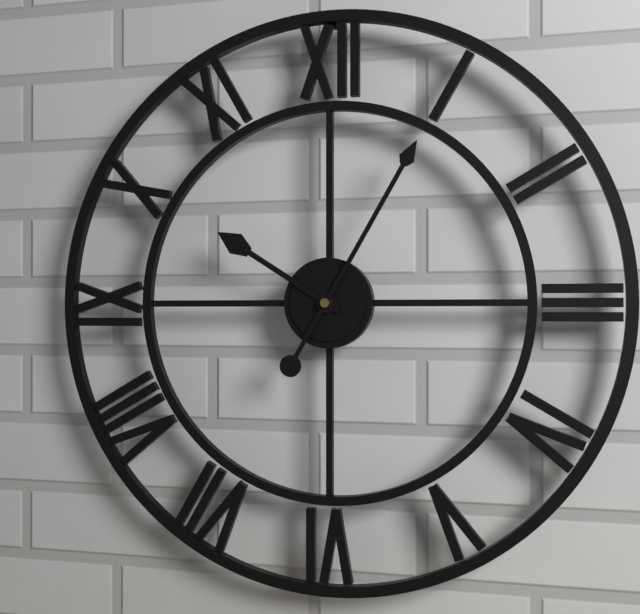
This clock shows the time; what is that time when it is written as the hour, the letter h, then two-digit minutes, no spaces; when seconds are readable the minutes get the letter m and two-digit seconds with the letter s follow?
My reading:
10h05
